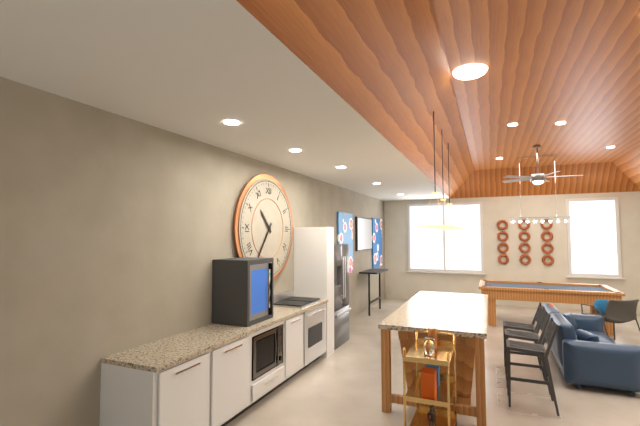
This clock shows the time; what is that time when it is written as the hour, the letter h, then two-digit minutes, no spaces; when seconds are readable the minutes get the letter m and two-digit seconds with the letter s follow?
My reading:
10h36
